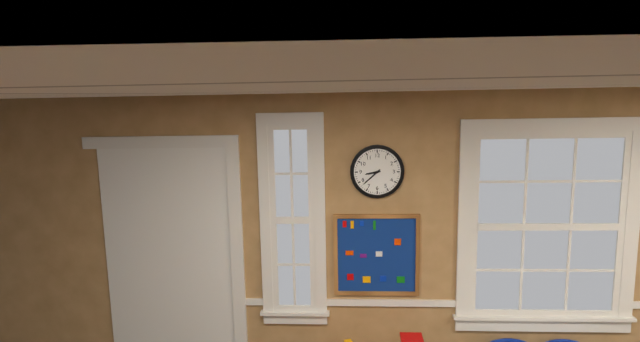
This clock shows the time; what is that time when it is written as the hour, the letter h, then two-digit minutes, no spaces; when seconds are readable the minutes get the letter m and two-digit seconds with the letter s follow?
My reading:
8h38
